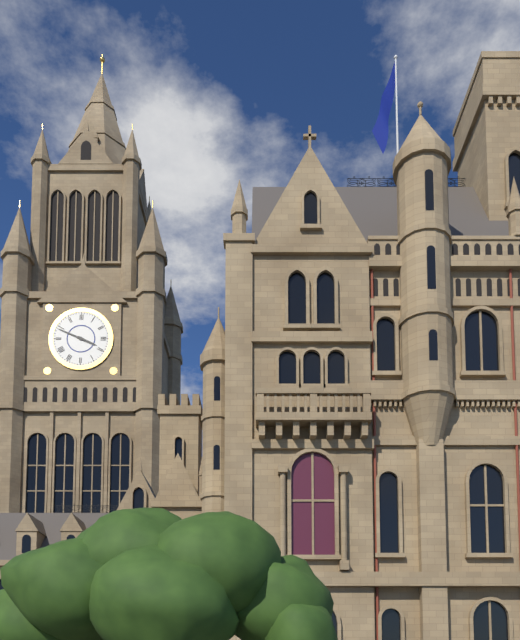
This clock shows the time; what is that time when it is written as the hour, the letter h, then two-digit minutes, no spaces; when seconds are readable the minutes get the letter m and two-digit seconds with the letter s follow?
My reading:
3h49
